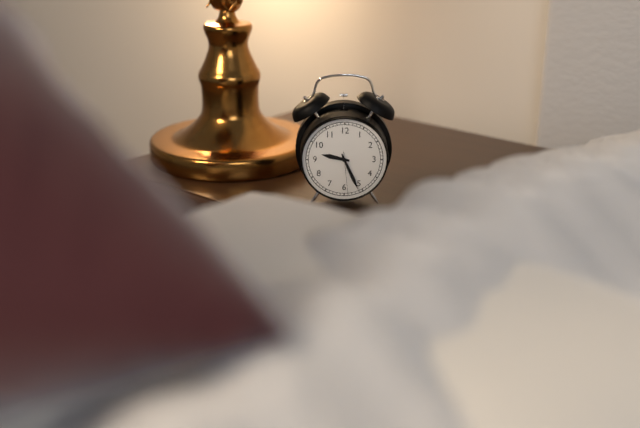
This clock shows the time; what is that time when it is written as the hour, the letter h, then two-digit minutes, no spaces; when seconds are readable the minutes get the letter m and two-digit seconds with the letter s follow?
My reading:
9h26
